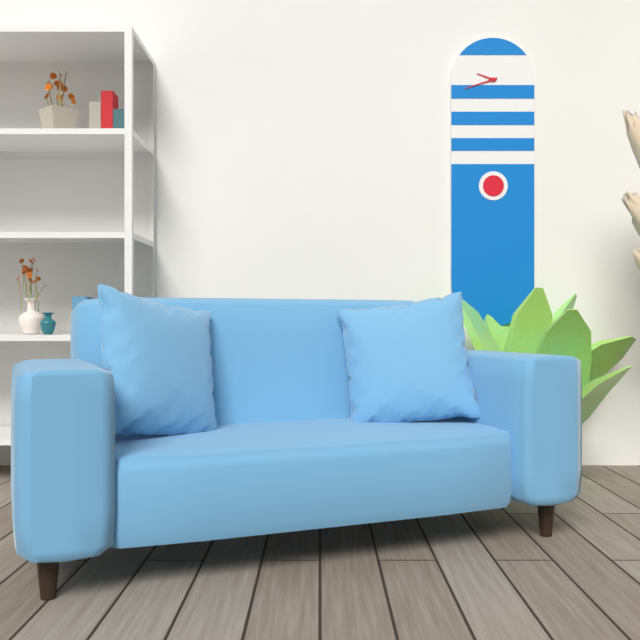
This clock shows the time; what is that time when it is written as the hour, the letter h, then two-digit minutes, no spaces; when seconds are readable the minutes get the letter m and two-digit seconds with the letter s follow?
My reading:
9h42
